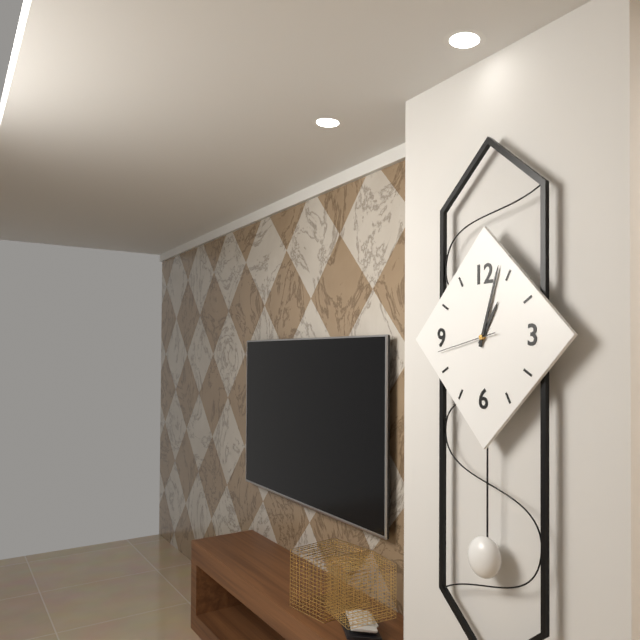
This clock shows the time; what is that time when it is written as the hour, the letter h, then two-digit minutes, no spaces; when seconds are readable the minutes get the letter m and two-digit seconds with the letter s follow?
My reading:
1h03m43s
